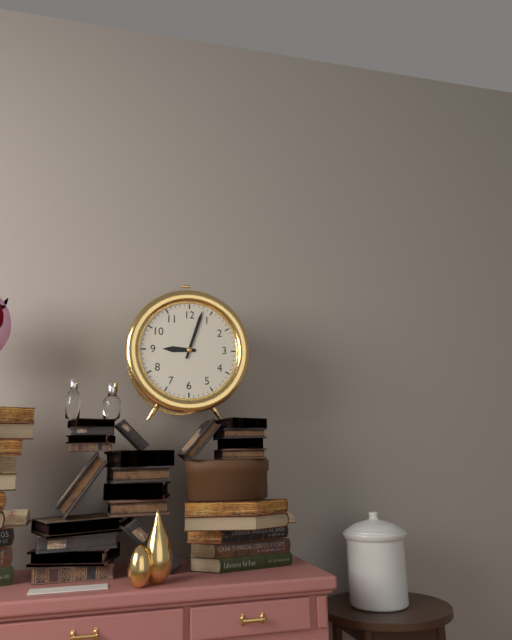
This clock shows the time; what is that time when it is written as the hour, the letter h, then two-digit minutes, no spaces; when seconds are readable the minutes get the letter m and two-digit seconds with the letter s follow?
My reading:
9h03
